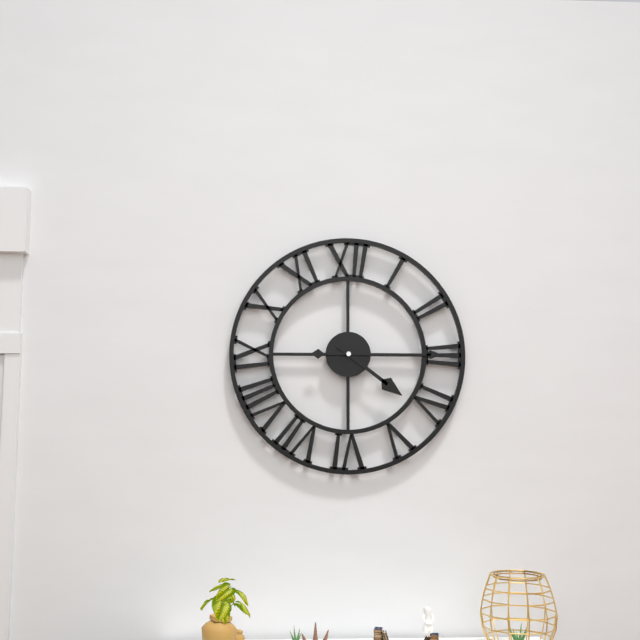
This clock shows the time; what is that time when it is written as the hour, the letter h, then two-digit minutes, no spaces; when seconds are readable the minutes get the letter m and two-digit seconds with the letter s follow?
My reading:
4h15
